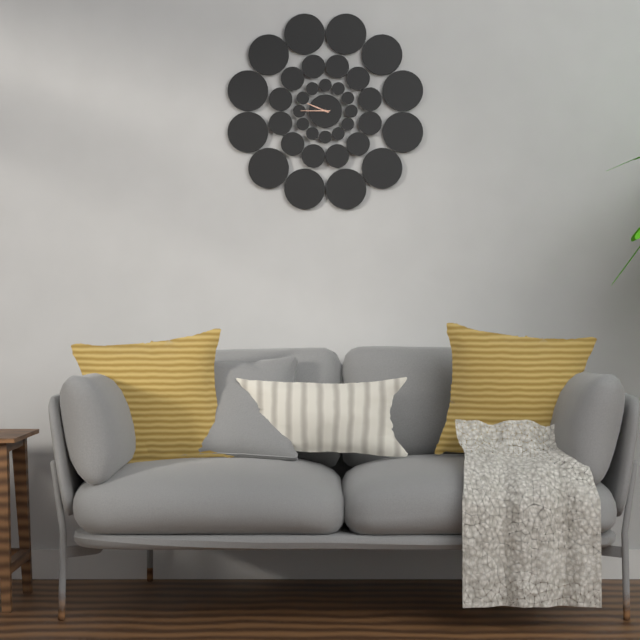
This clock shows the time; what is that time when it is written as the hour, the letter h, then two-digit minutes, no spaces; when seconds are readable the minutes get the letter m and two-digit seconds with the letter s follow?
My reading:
9h45
